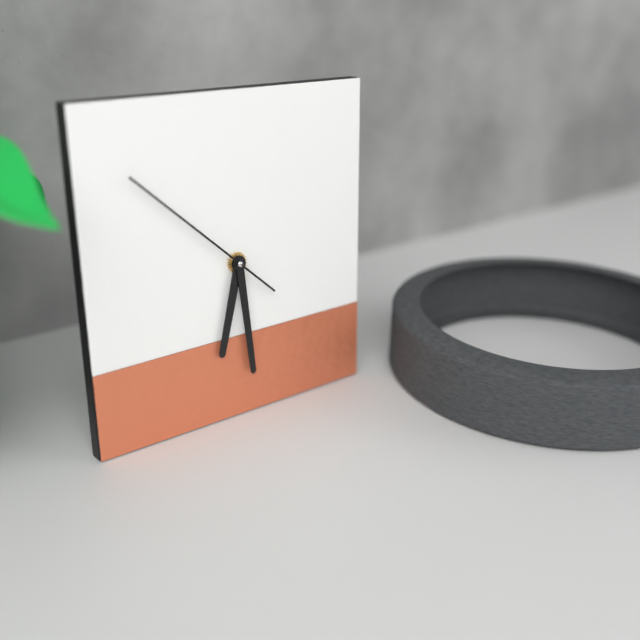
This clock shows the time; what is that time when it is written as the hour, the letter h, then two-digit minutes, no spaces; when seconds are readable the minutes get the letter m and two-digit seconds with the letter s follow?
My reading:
6h29m52s
